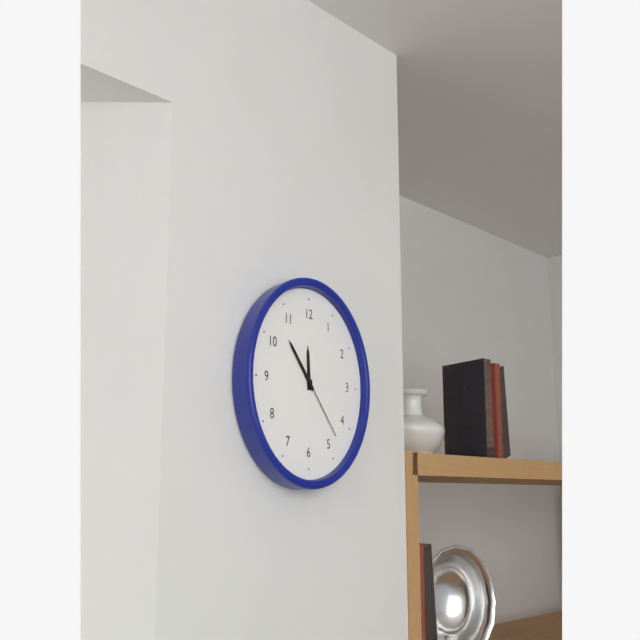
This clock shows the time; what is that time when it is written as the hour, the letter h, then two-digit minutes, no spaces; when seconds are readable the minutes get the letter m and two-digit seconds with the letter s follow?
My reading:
11h53m23s
